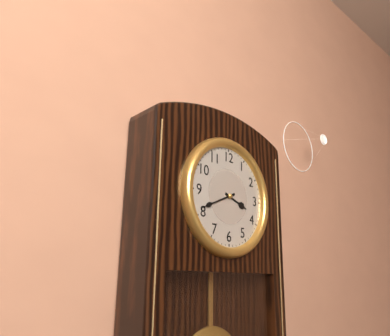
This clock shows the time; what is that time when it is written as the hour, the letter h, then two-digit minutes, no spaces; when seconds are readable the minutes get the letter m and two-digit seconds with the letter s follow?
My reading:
3h41
